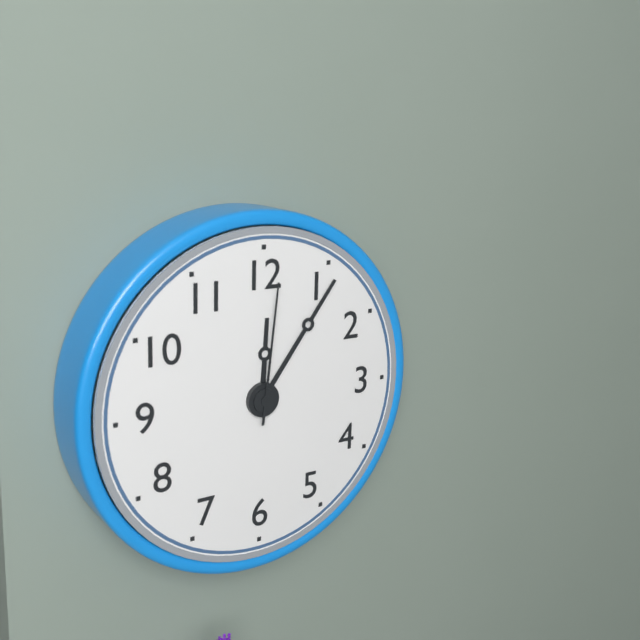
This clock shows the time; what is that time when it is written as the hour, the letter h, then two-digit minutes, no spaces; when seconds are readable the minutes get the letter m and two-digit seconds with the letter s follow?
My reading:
12h06m01s
